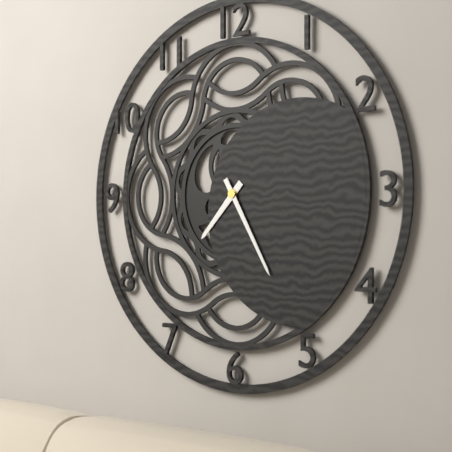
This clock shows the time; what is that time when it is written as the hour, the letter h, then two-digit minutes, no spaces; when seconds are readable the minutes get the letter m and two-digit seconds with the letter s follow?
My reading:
7h25
